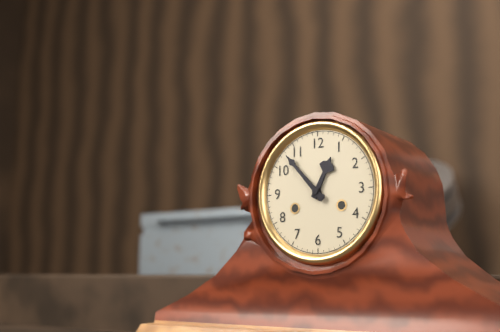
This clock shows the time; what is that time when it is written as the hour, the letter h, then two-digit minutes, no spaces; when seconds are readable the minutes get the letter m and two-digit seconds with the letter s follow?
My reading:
12h53
